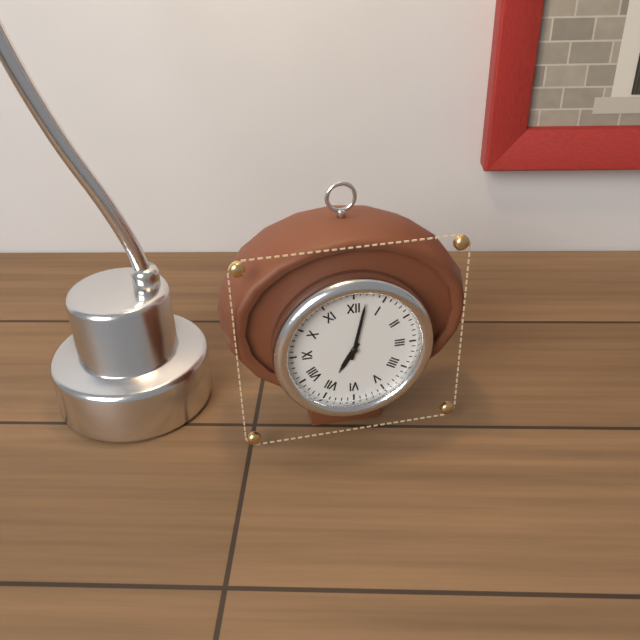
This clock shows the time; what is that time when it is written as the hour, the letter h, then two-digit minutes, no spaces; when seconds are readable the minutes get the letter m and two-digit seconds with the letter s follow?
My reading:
7h02
